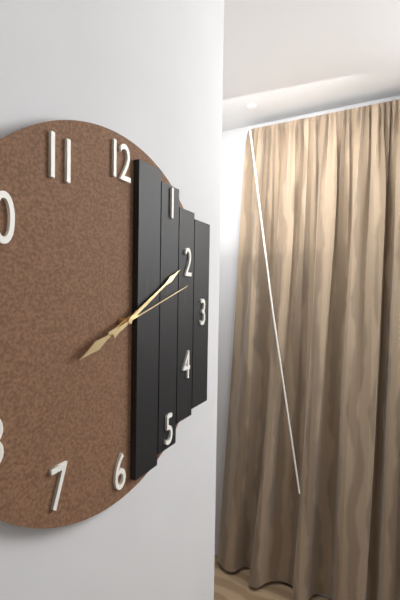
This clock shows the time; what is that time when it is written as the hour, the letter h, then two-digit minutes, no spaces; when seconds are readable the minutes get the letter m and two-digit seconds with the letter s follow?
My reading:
8h10m12s
